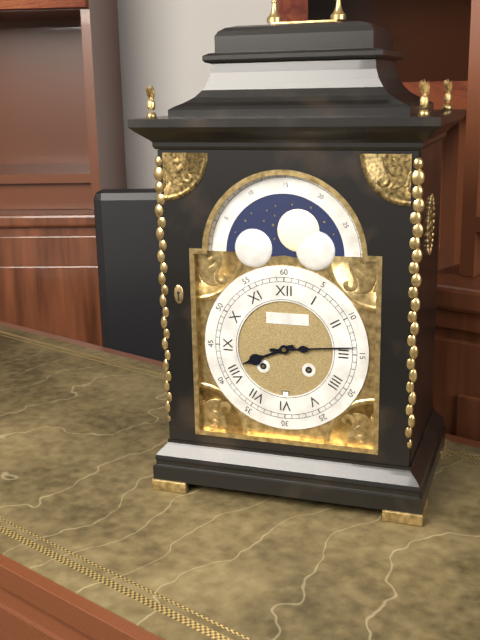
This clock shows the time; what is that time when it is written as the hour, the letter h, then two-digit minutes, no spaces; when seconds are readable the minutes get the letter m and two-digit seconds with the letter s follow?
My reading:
8h14
